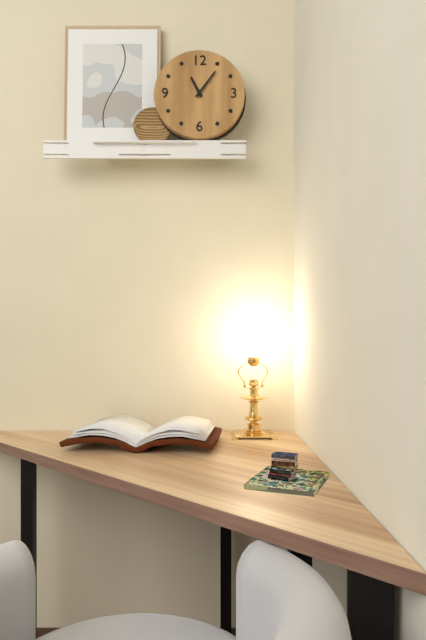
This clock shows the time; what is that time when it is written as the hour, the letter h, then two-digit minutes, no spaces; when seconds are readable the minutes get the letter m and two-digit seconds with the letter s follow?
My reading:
11h06
